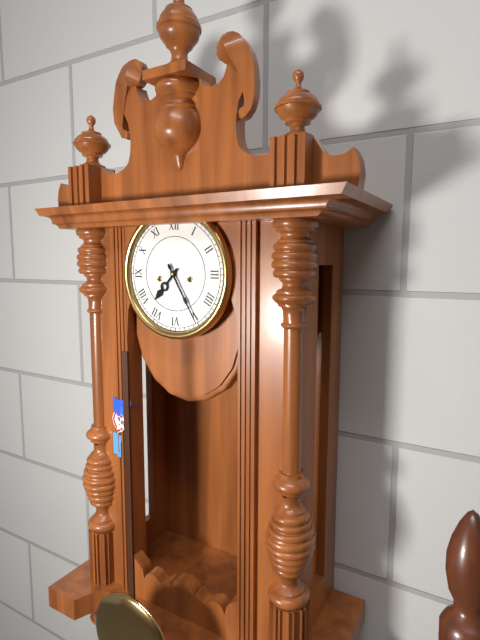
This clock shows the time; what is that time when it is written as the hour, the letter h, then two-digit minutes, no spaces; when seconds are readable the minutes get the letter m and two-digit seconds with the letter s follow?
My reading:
7h25
